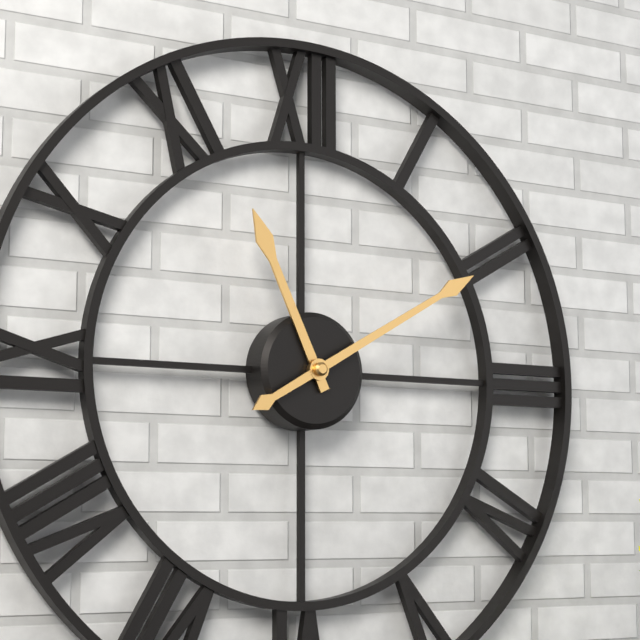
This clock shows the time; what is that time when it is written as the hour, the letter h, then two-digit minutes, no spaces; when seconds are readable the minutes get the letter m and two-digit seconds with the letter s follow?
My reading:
11h10
